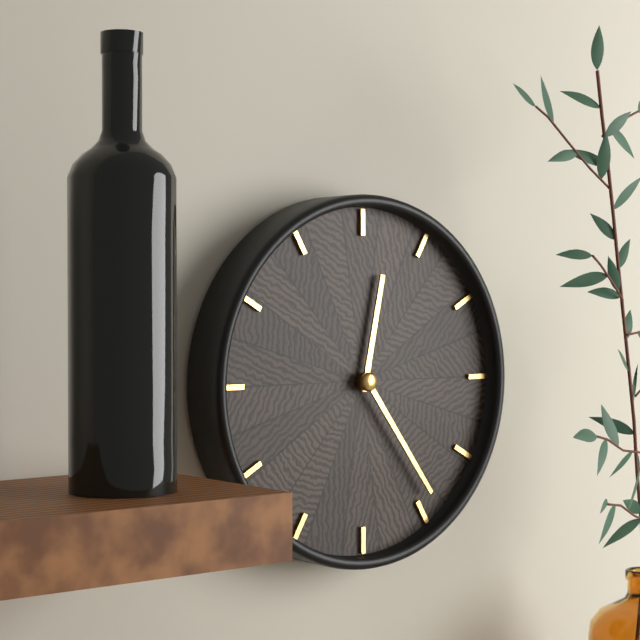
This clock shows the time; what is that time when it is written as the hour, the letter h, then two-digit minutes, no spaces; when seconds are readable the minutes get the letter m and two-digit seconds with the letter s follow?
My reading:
12h24
